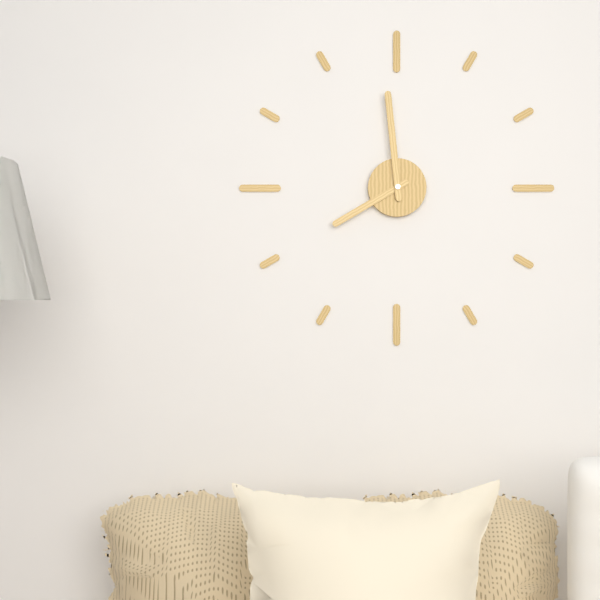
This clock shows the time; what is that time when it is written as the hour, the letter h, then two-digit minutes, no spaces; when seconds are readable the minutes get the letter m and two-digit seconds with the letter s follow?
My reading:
7h59
